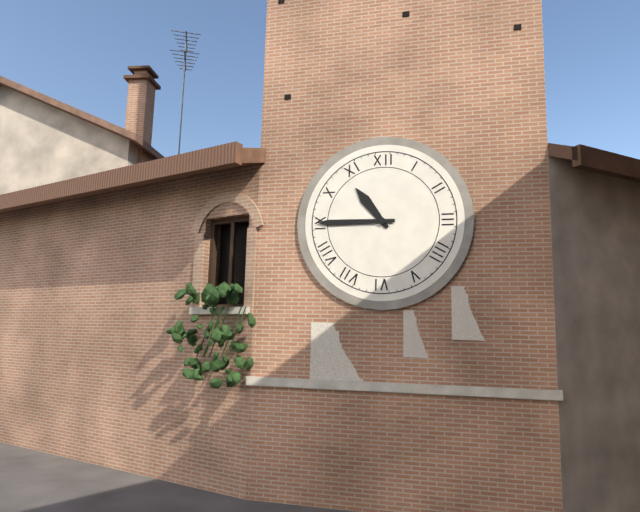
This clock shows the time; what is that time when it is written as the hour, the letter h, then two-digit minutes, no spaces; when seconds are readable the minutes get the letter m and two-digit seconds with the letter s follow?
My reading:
10h45
